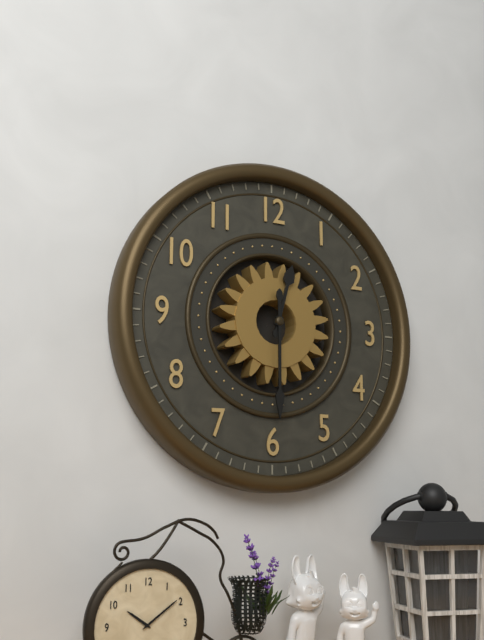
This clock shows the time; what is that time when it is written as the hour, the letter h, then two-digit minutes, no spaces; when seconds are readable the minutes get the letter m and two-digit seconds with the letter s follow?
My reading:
12h30
